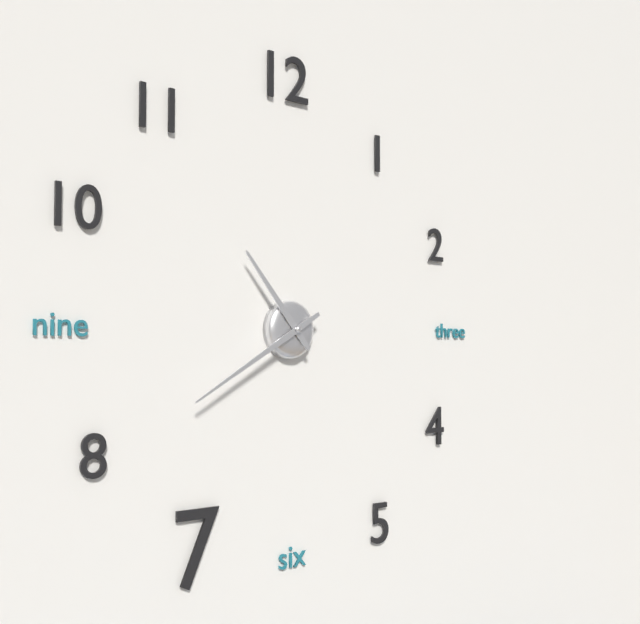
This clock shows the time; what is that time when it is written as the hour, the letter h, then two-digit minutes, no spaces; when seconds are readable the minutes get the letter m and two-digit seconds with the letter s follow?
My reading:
10h40
